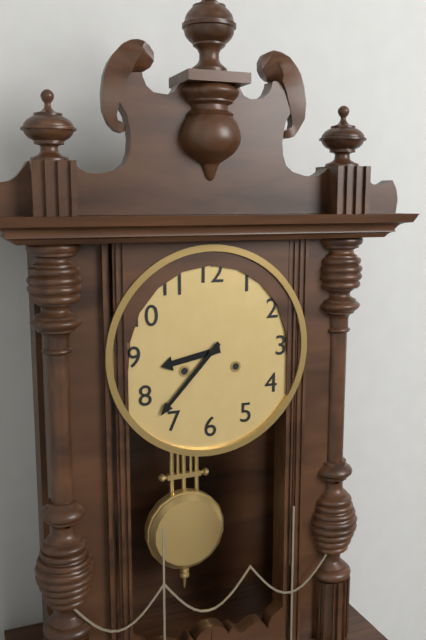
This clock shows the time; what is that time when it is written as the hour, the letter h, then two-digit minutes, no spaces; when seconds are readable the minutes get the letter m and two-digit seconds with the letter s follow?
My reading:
8h37
